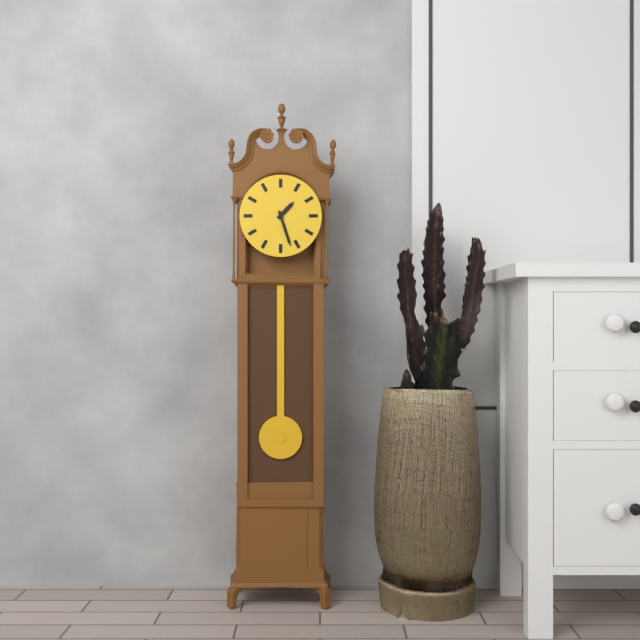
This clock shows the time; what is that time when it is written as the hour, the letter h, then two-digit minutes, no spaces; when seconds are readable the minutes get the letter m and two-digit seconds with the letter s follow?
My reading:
1h27
